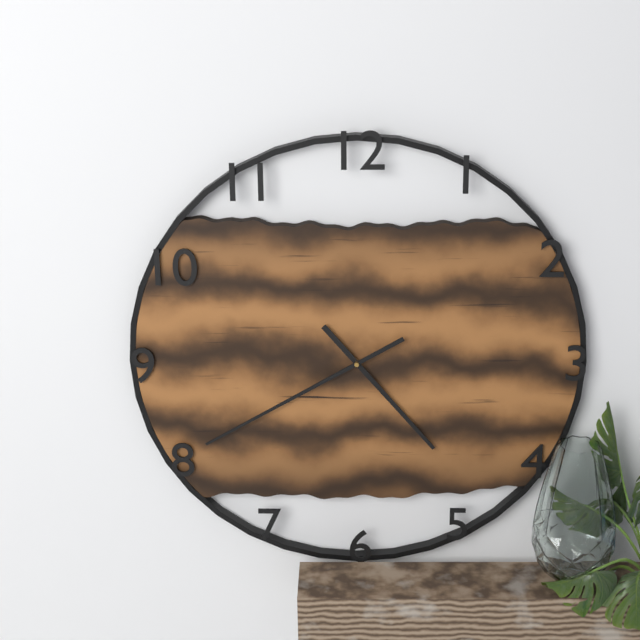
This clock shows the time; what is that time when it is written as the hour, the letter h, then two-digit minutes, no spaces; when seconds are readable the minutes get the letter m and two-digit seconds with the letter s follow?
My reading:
4h40
